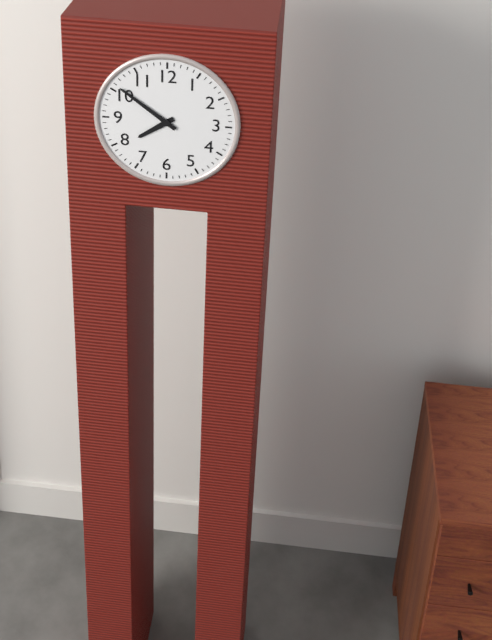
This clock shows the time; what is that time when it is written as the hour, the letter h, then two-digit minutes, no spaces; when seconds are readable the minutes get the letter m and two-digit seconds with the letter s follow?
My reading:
7h51
